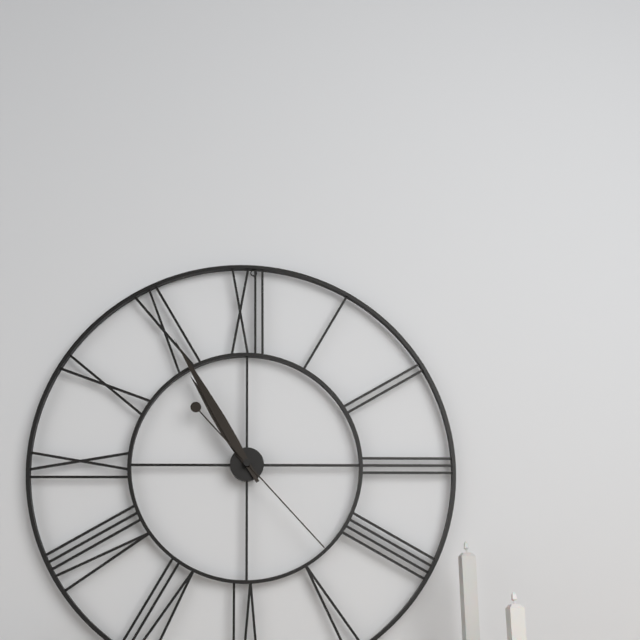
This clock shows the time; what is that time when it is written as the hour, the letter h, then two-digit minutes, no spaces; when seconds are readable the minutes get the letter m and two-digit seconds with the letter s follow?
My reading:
10h55m23s
